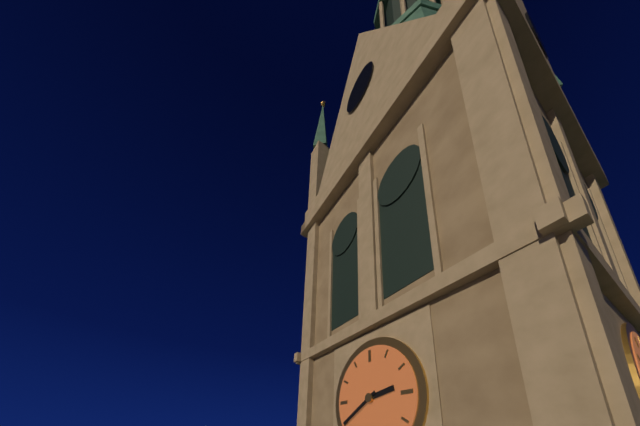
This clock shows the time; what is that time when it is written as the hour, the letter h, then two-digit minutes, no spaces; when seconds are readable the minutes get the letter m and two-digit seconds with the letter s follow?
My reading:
2h40
